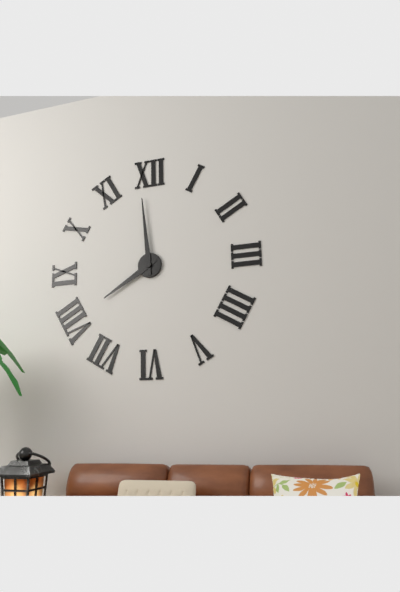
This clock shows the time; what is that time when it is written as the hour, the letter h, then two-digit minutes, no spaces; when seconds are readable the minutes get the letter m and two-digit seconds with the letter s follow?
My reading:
7h59
